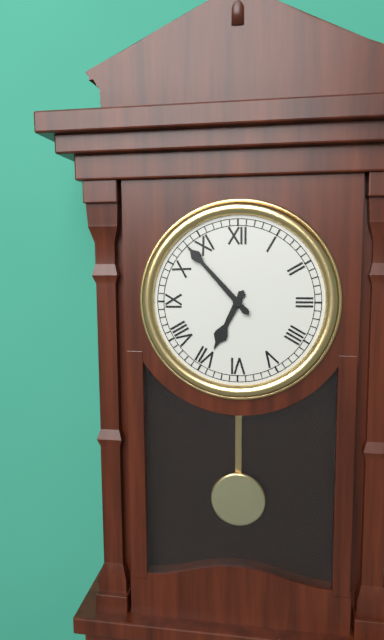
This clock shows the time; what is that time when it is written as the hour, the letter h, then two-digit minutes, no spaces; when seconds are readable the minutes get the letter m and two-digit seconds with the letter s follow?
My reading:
6h53
